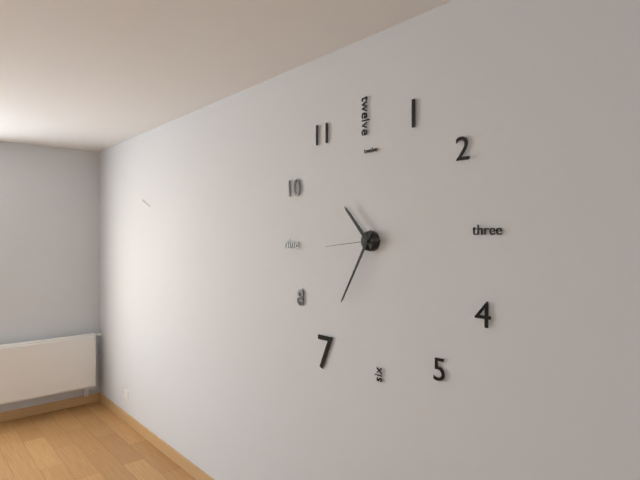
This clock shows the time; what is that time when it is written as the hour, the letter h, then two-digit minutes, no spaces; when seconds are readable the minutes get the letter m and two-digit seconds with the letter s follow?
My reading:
10h35m44s
